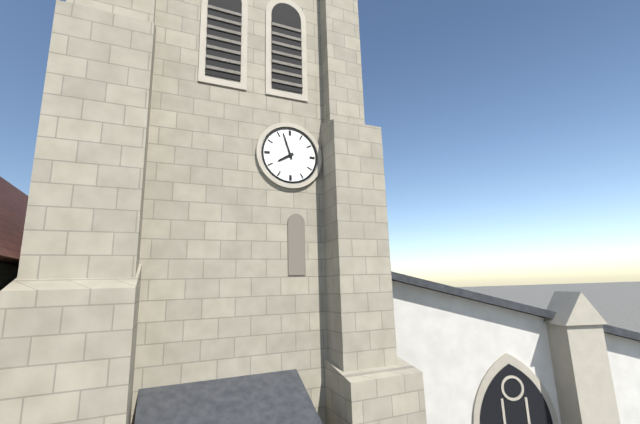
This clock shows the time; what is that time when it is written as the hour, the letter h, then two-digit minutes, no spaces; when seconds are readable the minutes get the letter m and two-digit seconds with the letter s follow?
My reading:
7h57
